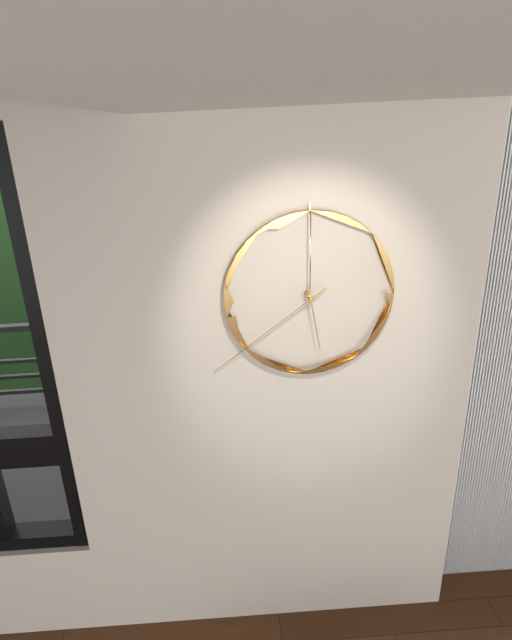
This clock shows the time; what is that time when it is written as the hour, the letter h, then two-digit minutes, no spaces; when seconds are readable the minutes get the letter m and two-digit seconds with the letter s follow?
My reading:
5h39
